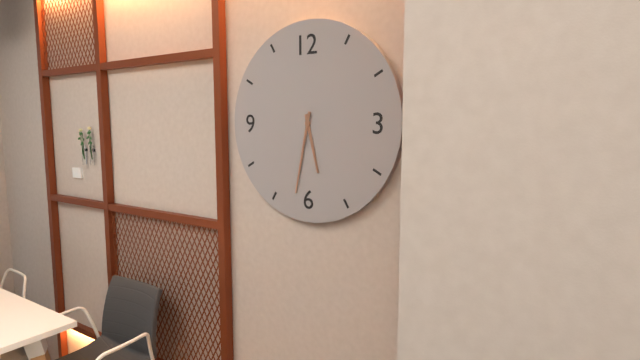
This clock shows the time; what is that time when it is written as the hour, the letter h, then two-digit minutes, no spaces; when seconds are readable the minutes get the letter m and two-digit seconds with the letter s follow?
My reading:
5h32
